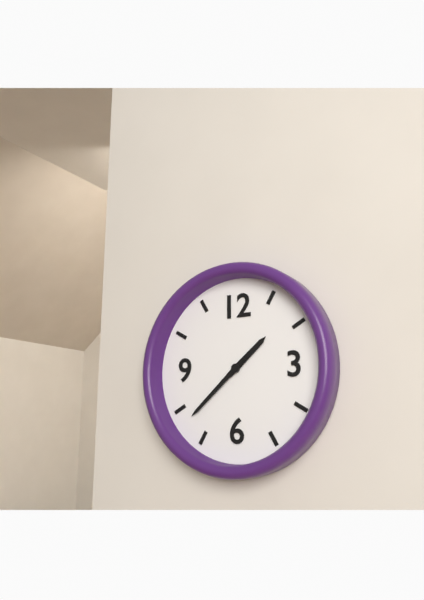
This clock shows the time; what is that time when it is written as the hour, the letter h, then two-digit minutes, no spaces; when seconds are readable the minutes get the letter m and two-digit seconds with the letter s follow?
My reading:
1h38
